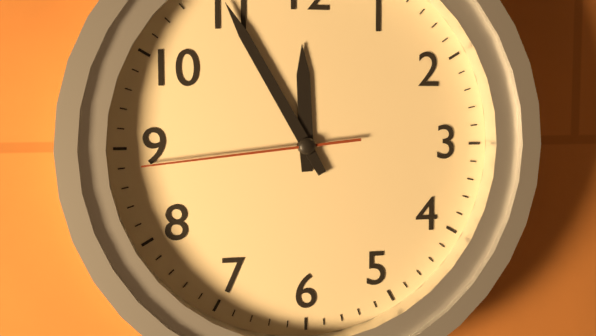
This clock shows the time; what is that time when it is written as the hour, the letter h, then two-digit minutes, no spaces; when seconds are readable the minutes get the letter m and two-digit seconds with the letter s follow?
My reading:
11h55m44s
